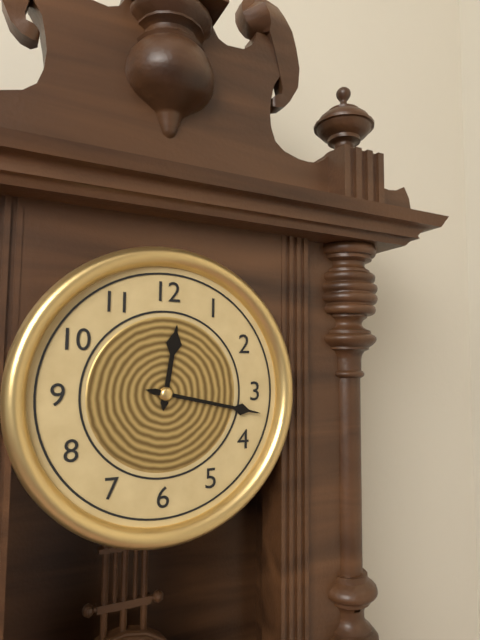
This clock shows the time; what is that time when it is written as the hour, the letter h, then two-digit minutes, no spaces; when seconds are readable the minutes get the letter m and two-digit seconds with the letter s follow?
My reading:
12h17
